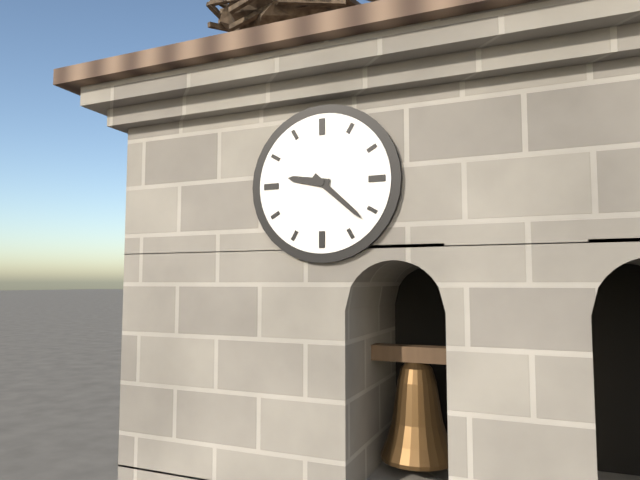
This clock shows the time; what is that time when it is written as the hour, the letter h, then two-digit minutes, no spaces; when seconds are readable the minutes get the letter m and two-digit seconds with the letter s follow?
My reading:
9h22
